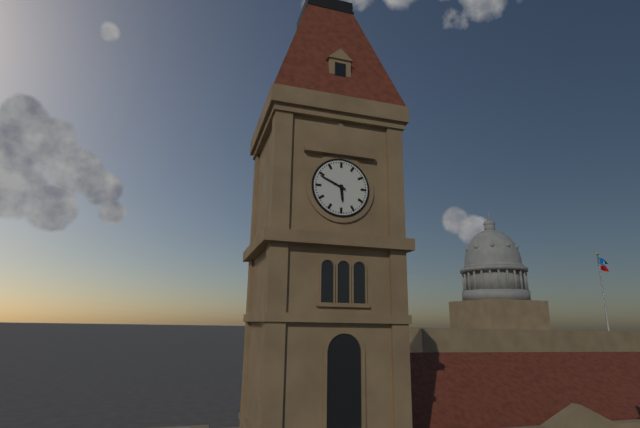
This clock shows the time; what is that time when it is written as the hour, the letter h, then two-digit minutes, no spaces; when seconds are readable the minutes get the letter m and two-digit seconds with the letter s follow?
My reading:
5h49
